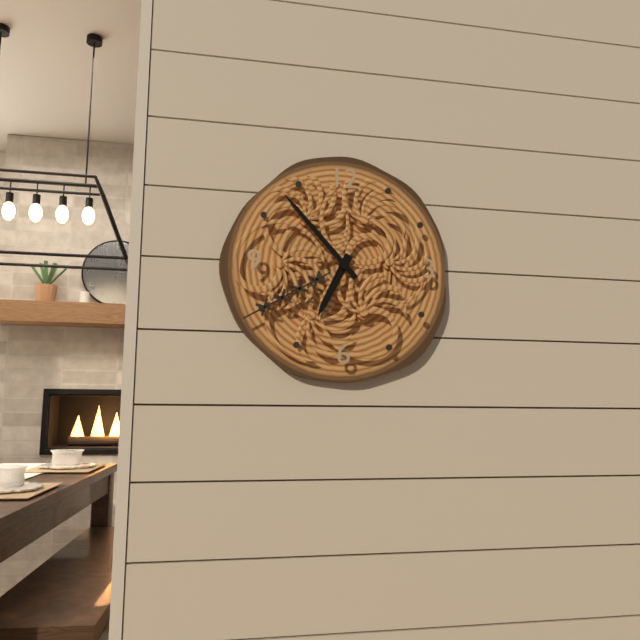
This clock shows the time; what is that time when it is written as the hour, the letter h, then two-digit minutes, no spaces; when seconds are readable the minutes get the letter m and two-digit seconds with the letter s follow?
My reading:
6h53
